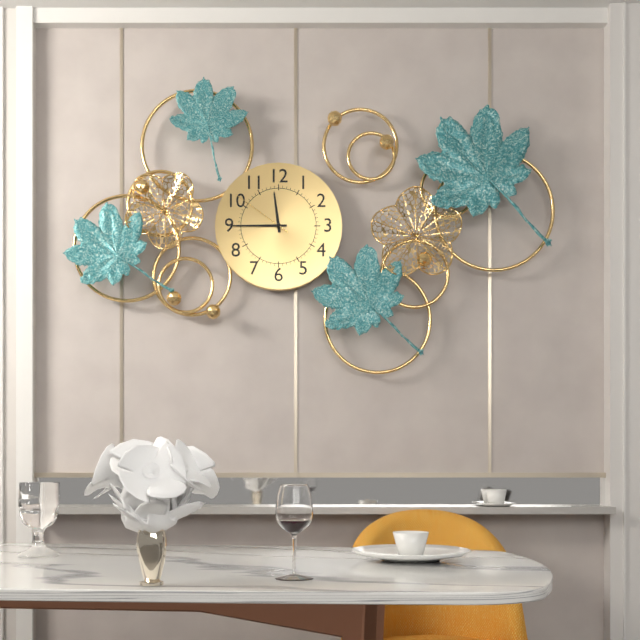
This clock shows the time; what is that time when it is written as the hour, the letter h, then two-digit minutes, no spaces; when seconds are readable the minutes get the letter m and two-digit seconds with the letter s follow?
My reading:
11h45m51s
